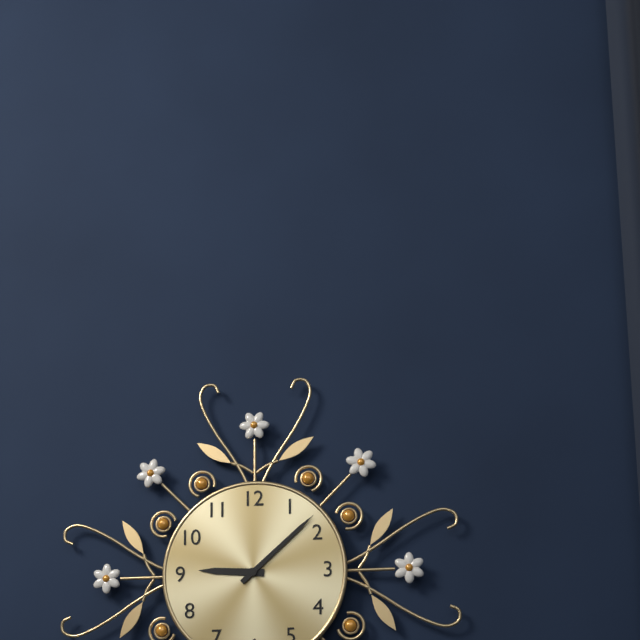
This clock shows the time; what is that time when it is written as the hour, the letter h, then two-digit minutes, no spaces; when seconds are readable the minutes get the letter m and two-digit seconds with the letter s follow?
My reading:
9h08
